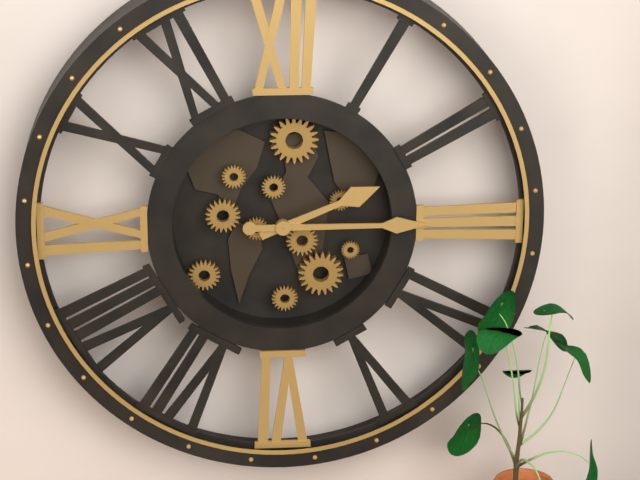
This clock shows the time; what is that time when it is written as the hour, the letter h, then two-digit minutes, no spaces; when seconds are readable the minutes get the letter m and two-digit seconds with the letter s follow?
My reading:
2h15
